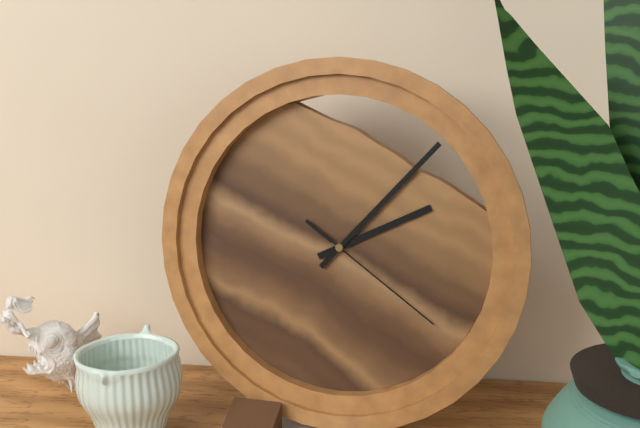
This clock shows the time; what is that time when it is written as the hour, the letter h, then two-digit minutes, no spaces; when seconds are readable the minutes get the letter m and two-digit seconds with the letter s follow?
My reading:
2h07m21s
